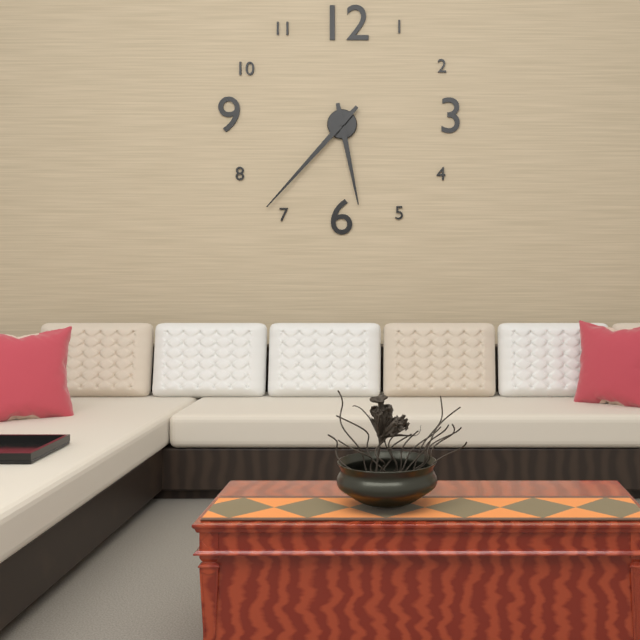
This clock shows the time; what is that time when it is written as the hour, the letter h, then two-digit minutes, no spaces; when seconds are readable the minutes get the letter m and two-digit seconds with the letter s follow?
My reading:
5h37
